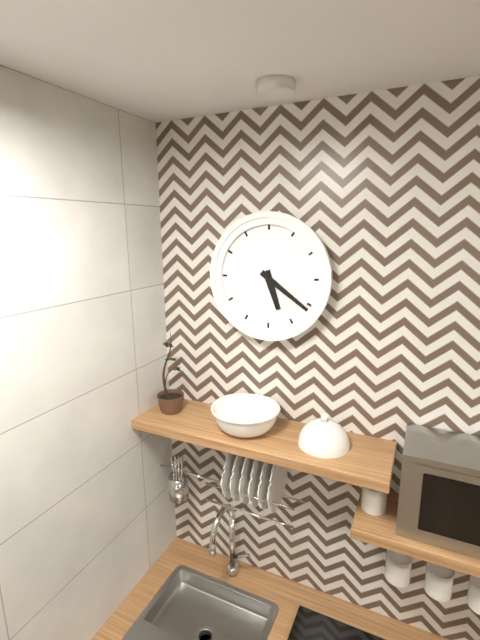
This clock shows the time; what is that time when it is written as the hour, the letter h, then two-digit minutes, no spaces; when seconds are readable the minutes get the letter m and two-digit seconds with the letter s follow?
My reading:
5h21
